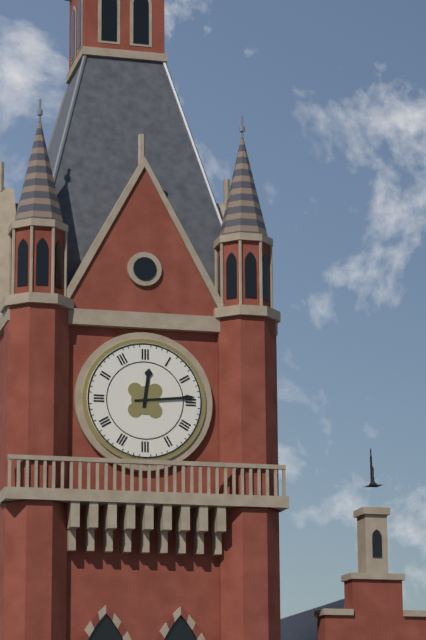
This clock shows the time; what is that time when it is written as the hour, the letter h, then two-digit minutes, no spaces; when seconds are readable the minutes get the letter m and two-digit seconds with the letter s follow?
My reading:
12h14
